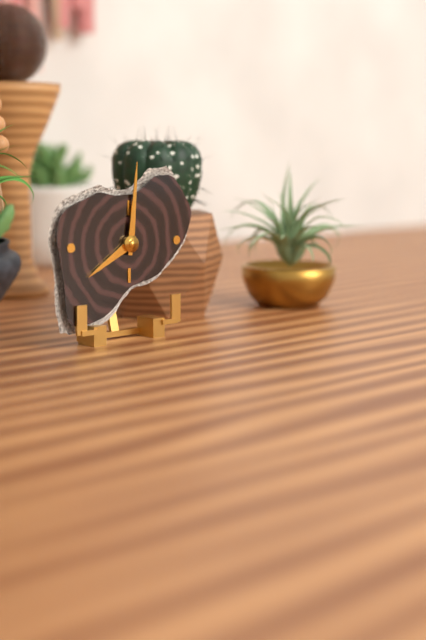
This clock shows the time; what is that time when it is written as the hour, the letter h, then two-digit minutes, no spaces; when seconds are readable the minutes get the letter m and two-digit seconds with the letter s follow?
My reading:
8h01
